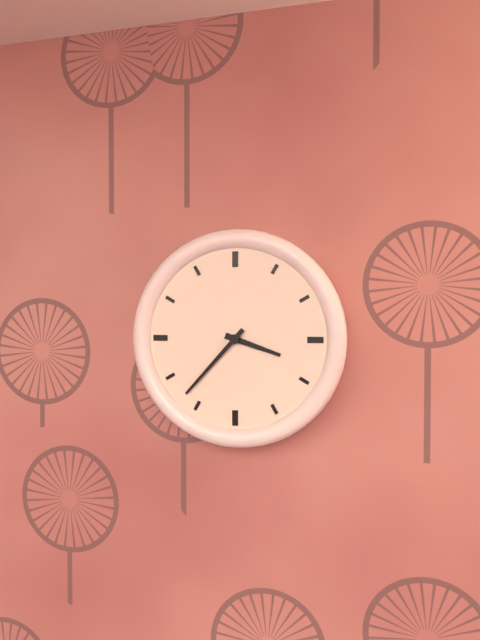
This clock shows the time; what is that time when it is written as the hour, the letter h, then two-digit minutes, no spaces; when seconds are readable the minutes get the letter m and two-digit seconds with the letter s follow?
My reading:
3h37
